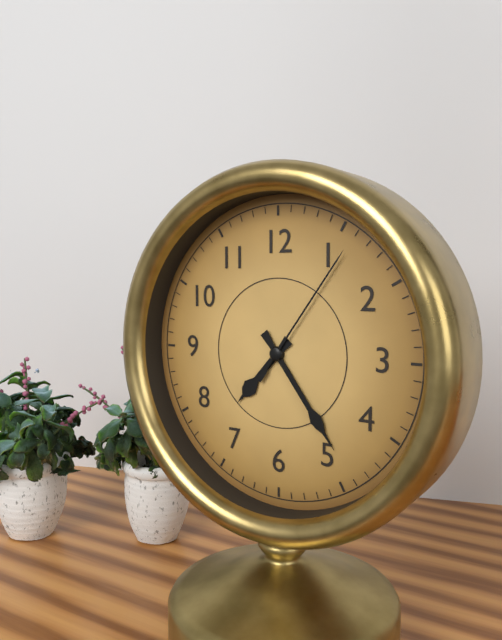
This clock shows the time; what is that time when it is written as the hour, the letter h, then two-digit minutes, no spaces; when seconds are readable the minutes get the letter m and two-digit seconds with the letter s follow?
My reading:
7h24m06s
